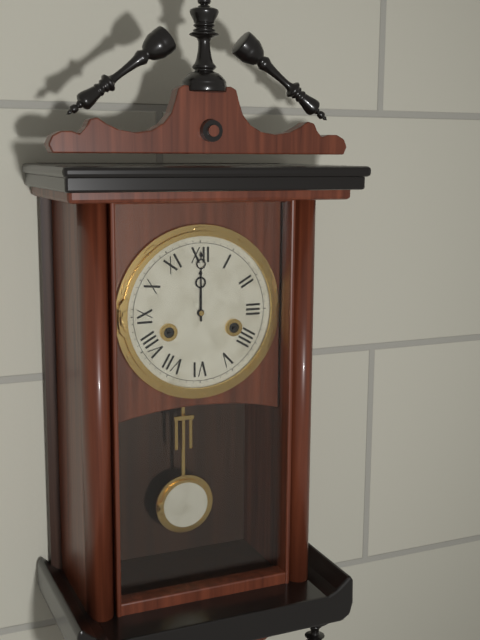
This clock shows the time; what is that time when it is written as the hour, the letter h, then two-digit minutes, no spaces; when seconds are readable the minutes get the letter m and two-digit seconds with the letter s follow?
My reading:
12h00
